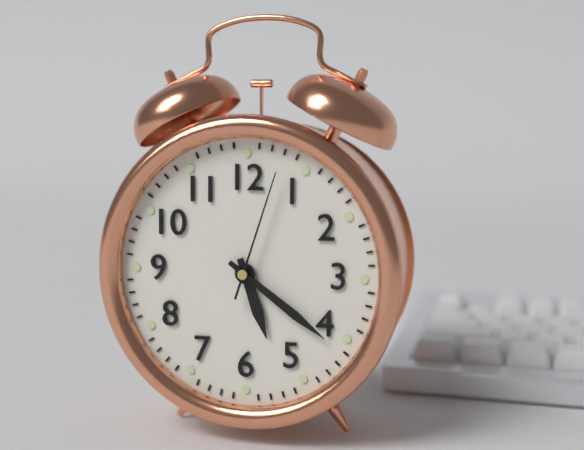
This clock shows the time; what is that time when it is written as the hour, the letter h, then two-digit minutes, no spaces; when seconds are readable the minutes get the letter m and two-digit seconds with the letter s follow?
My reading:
5h21m03s
